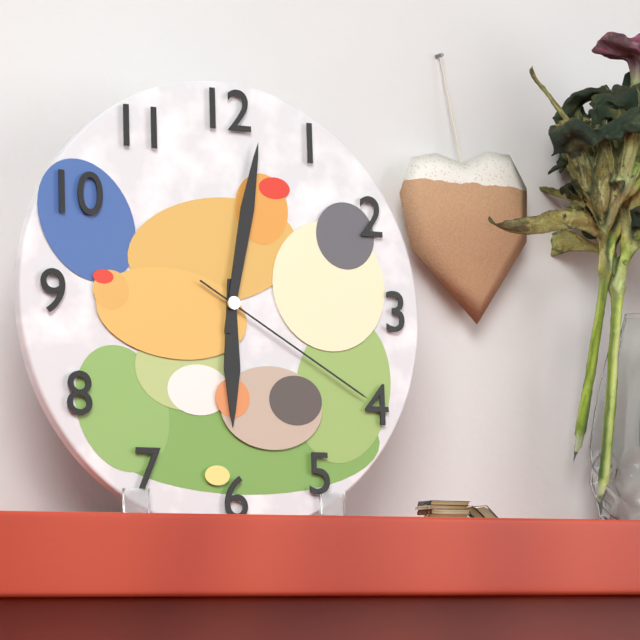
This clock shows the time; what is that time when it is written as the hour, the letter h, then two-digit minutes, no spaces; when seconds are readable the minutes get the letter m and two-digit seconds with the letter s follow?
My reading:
6h02m20s
